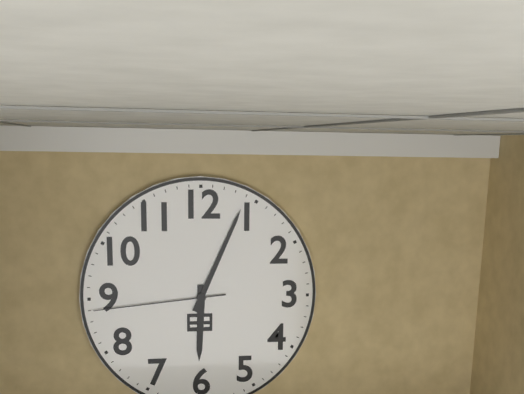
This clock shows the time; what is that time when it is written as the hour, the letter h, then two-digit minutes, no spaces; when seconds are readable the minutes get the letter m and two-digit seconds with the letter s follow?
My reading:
6h04m44s
